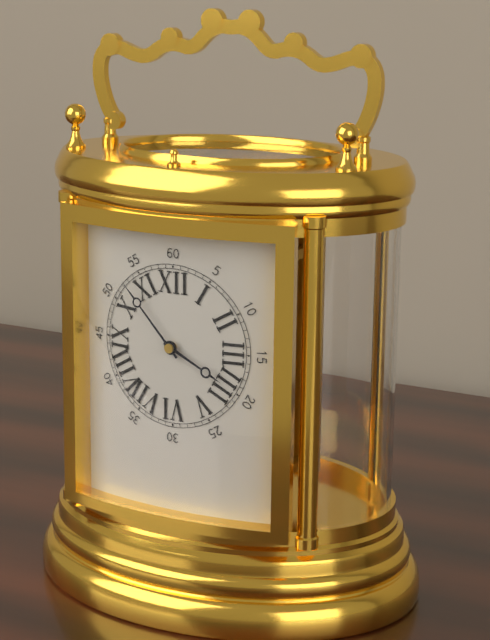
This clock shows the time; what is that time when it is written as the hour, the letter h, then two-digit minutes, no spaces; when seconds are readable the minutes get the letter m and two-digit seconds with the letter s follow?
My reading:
3h53
